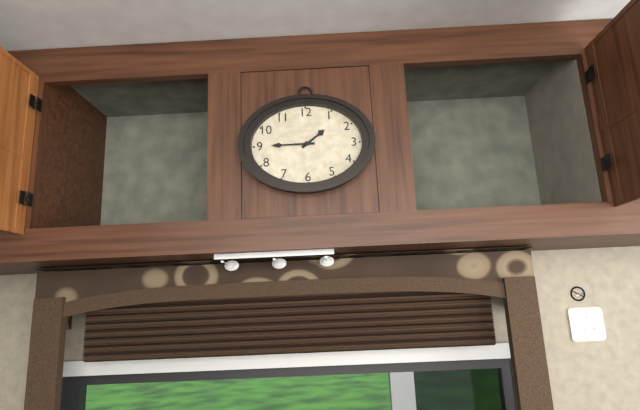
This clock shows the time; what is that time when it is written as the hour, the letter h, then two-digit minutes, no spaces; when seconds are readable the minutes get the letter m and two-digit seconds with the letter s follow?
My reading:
1h45
